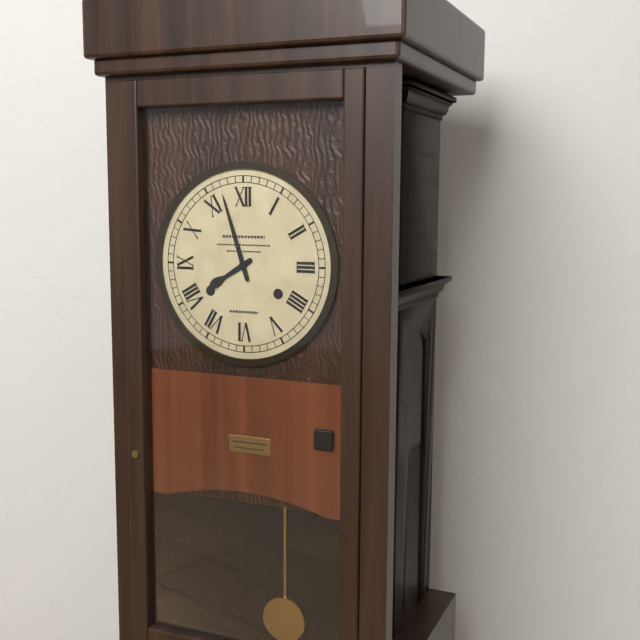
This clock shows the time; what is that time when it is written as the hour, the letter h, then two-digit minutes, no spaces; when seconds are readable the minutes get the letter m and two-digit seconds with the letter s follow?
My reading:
7h57
